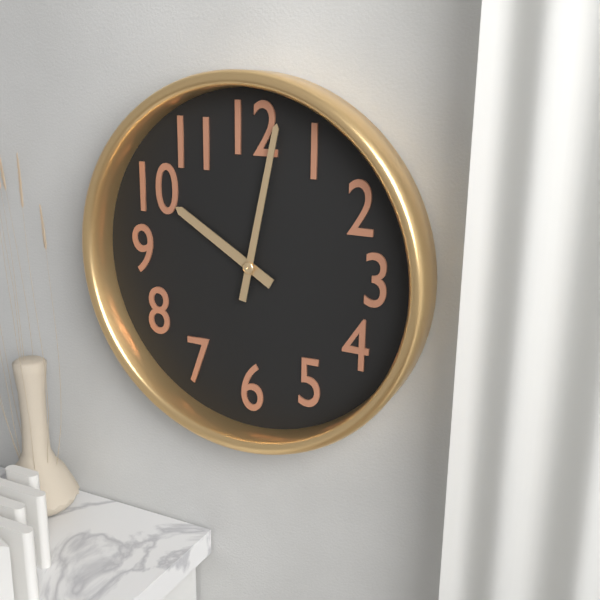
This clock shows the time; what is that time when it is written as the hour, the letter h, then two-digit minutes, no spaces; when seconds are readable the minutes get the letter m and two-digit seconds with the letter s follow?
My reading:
10h02
